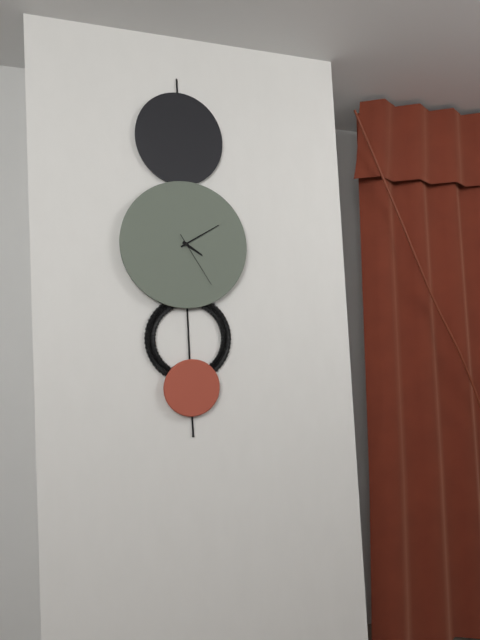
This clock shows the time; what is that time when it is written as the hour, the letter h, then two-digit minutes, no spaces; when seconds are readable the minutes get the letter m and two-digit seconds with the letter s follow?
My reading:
4h10m25s
